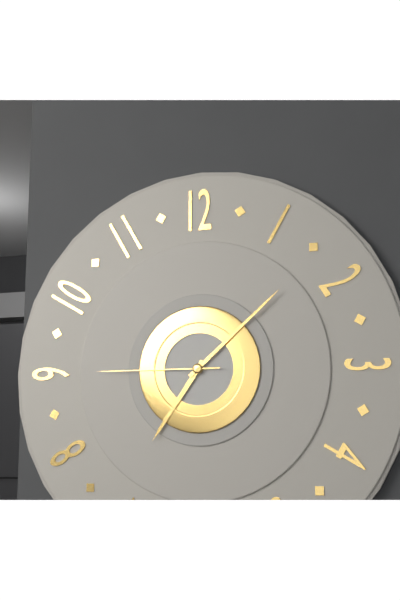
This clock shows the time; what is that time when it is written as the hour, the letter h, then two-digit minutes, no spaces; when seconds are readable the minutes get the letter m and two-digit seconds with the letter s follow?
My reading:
7h08m45s
